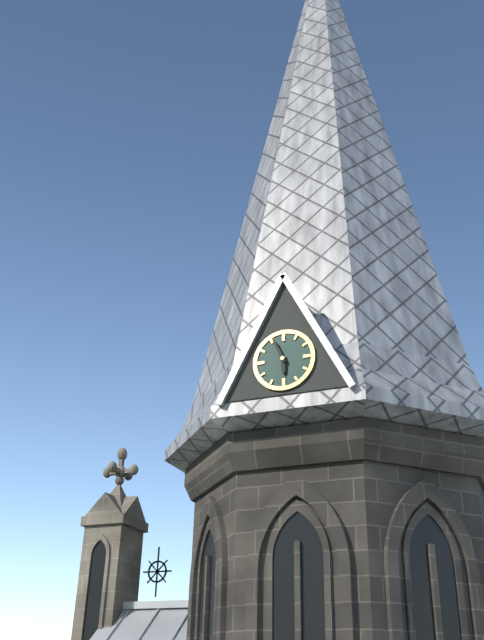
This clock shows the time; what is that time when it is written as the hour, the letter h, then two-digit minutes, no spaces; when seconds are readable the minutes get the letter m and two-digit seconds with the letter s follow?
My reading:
5h56
